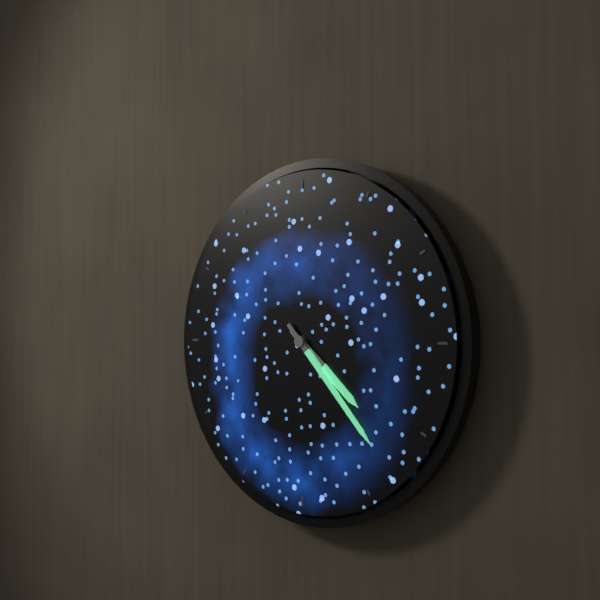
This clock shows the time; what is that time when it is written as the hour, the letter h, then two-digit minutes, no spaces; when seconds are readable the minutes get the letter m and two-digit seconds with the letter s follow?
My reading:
4h23
